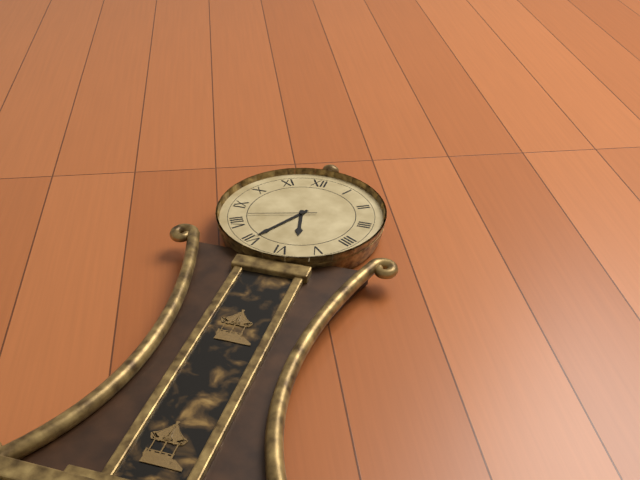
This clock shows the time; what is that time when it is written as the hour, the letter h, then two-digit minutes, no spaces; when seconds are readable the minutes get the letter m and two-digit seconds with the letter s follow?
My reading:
5h35m42s
